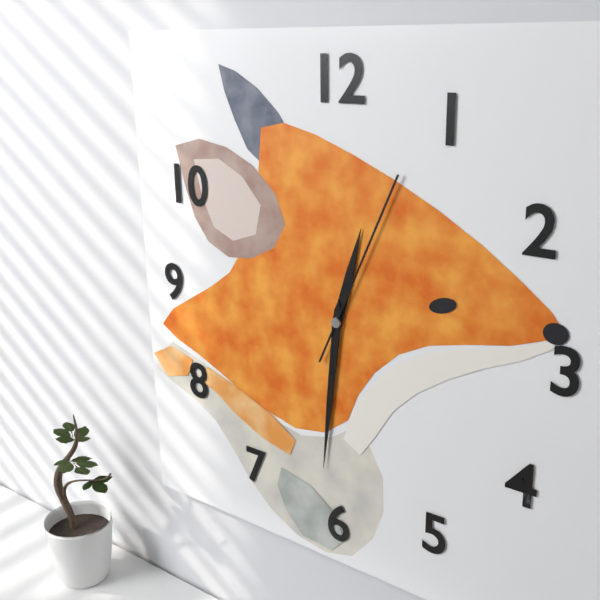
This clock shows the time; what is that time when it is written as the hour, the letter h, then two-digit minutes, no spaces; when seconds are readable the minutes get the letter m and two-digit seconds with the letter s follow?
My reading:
12h31m04s
